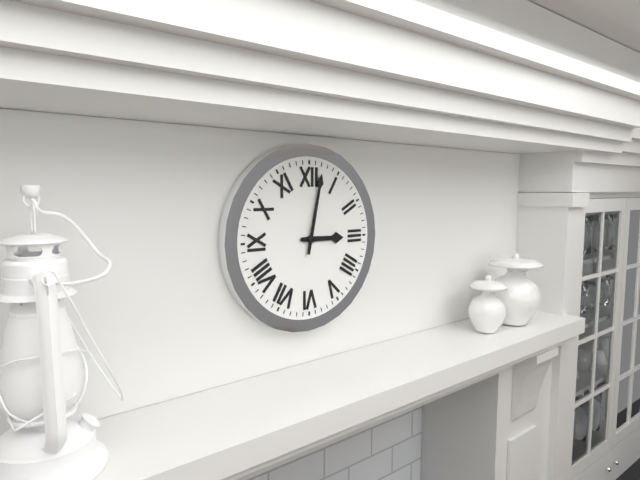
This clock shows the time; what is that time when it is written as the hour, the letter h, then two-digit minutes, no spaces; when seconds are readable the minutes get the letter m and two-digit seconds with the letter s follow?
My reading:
3h02
